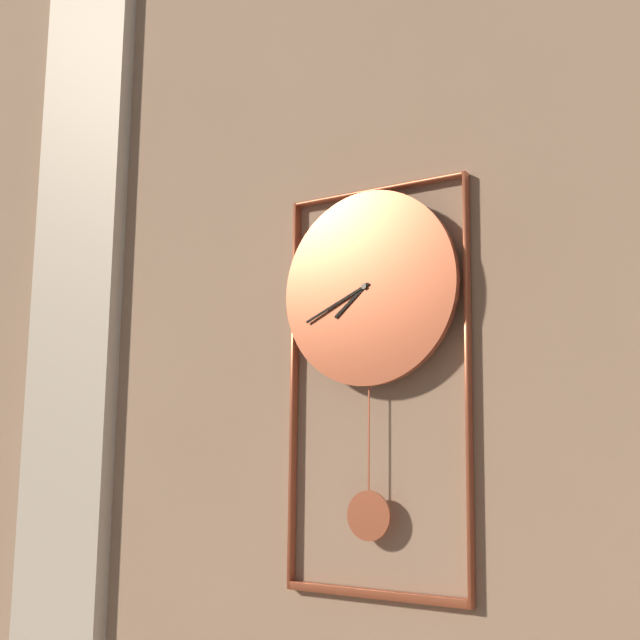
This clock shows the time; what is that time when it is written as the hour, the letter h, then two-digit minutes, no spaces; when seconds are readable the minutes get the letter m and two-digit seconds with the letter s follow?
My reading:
7h41
